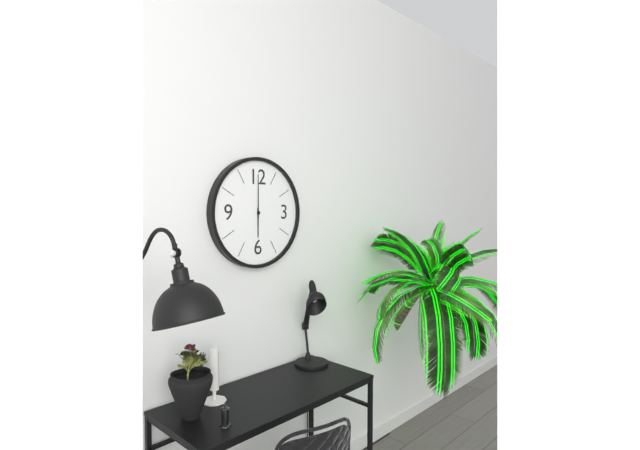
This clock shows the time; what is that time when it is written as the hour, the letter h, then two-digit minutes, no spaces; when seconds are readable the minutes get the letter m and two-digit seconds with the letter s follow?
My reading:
6h00
